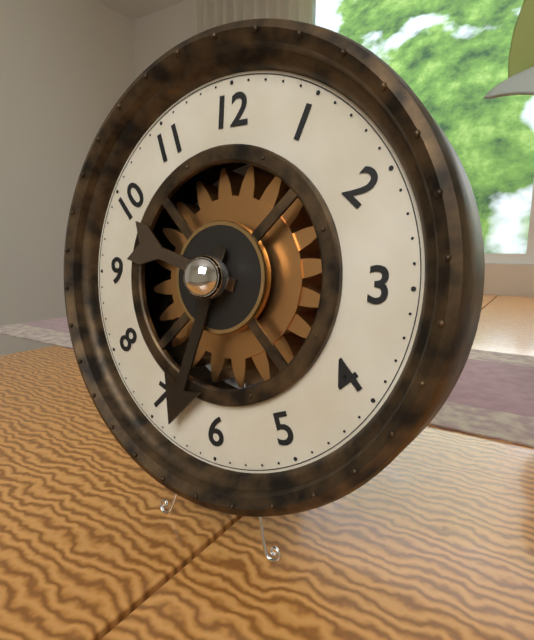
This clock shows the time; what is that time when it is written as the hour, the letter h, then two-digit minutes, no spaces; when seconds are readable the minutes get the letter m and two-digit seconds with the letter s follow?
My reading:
9h33
